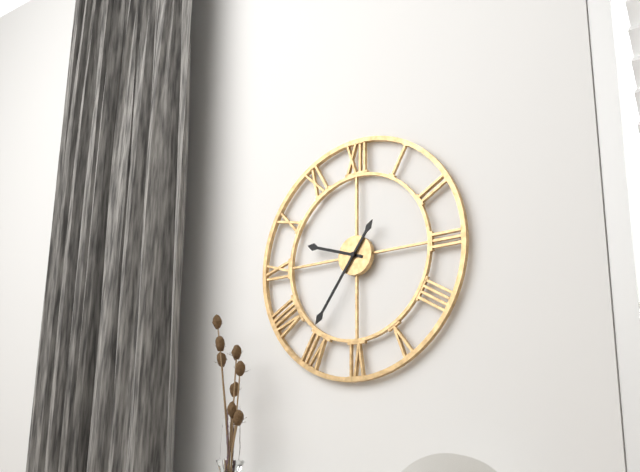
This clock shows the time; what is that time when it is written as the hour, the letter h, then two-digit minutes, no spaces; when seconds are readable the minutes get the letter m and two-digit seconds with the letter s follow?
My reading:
9h36
